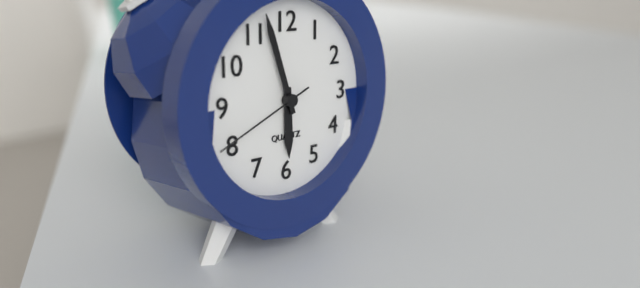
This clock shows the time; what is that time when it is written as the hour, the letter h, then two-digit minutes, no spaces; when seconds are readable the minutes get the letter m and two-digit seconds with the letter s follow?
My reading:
5h57m41s
